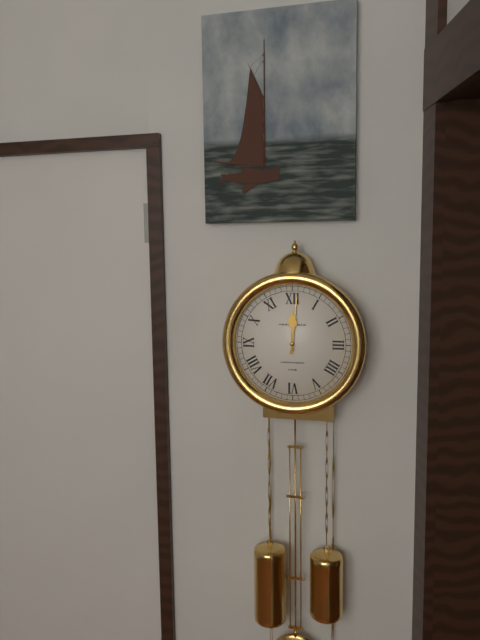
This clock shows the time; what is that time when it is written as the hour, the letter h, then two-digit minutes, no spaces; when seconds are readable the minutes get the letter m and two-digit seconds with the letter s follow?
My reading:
12h01
